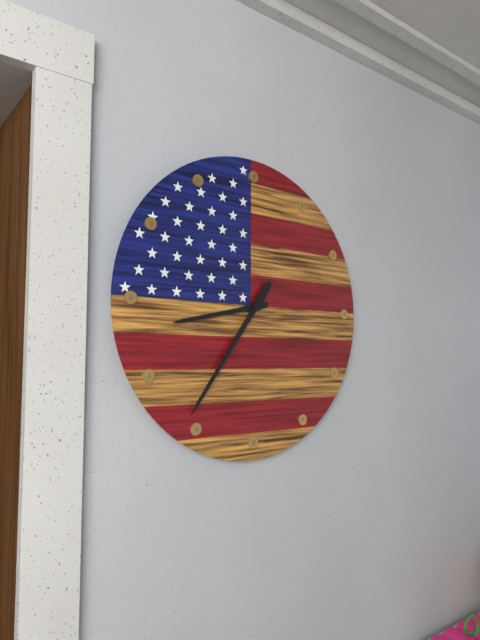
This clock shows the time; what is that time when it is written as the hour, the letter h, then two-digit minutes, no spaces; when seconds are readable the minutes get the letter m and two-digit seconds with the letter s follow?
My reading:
8h36
